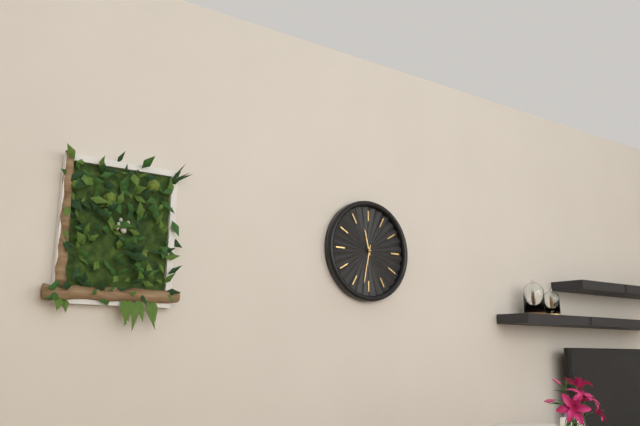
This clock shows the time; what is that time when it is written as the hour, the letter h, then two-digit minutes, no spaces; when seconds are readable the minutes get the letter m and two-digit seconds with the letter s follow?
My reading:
11h32
